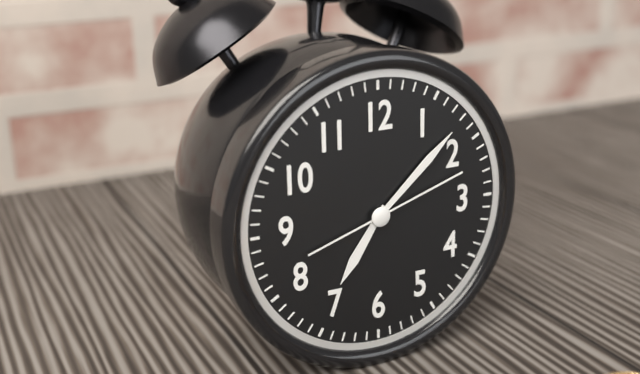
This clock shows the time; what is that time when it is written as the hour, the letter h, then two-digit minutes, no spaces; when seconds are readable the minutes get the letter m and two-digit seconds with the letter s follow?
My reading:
7h08m12s
